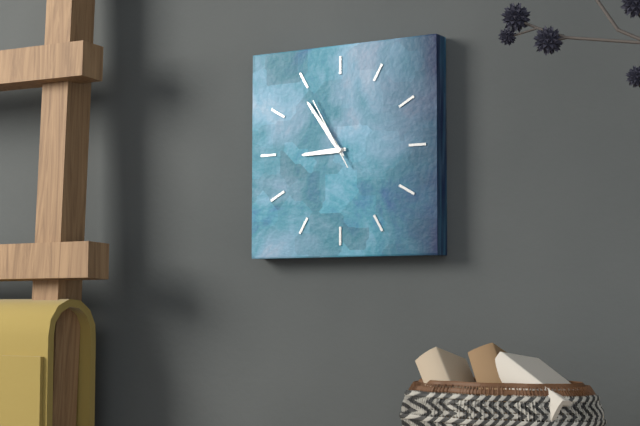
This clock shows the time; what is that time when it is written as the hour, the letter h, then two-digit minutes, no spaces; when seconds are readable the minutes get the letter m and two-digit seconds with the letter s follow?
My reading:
8h54m55s
